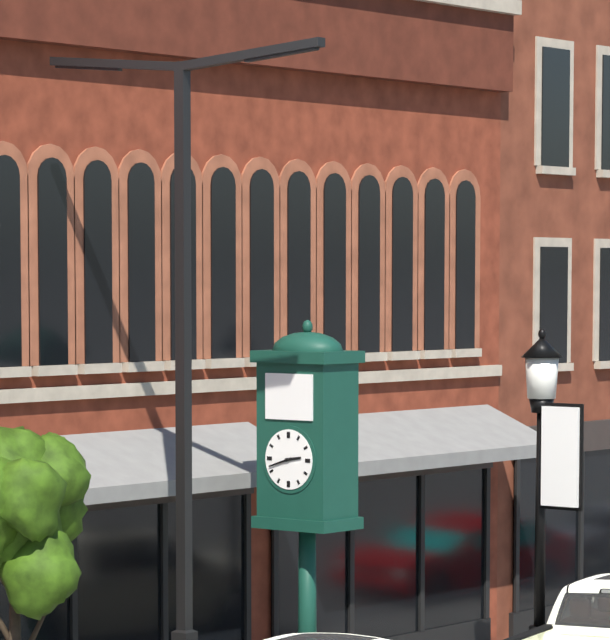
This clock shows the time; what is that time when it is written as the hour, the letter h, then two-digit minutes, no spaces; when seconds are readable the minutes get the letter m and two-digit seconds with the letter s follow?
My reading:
2h42
